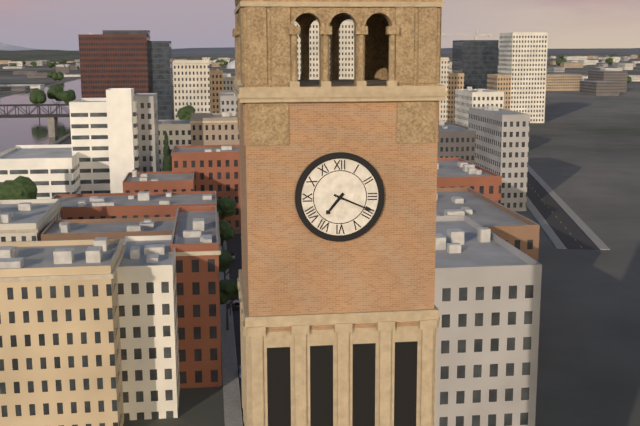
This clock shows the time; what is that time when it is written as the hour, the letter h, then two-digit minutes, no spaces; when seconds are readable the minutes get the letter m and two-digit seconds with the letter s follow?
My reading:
7h19
